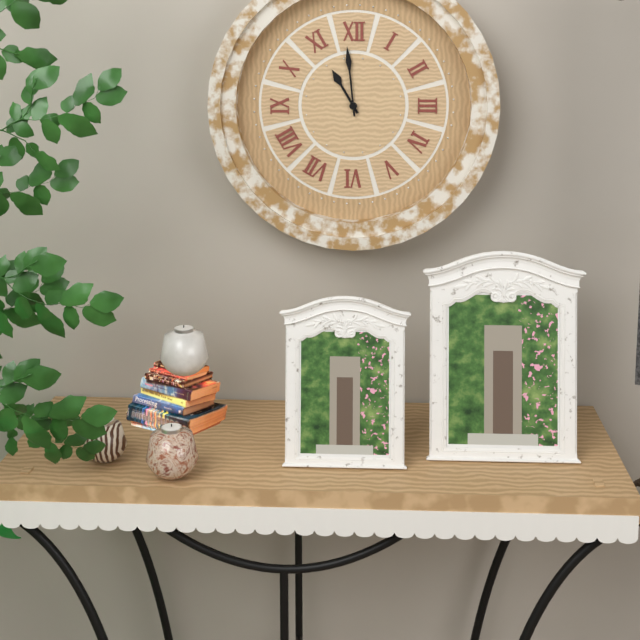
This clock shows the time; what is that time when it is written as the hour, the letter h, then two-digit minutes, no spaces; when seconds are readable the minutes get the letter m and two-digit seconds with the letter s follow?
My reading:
10h59
